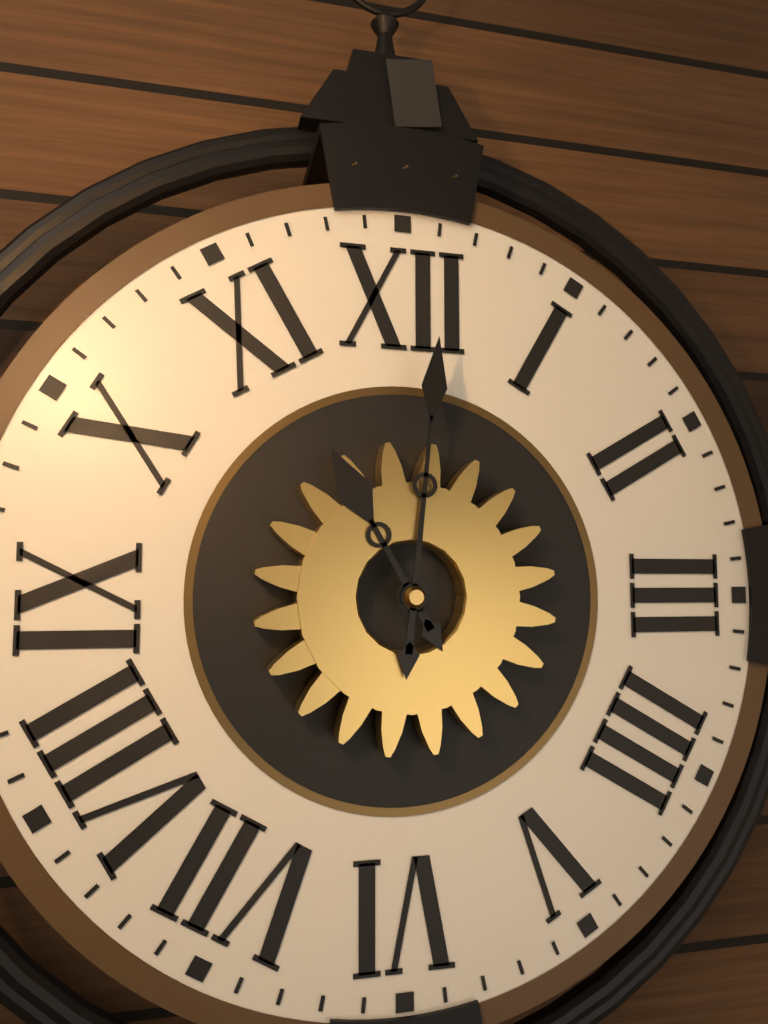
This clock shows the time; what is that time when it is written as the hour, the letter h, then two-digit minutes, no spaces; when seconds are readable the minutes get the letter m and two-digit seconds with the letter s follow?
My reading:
11h01
